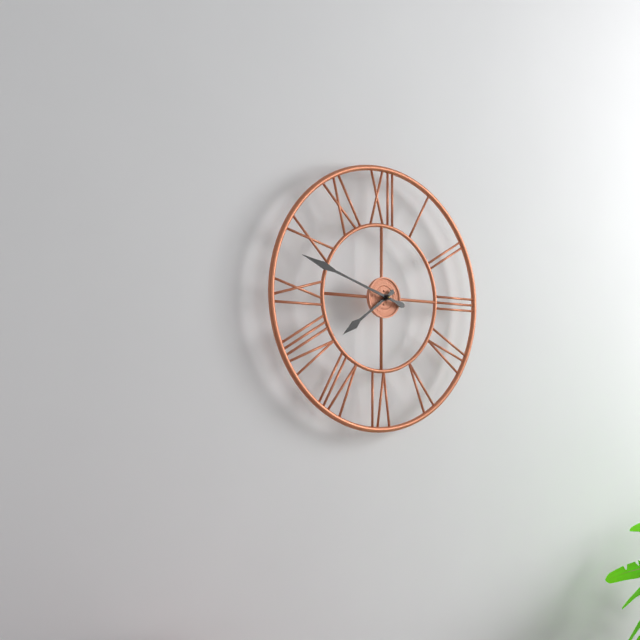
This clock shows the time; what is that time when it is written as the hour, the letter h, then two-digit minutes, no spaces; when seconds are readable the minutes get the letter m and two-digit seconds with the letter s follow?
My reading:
7h48
